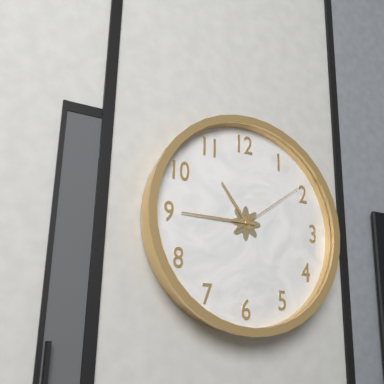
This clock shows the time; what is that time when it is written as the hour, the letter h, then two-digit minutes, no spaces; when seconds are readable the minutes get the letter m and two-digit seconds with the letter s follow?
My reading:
10h45m09s
